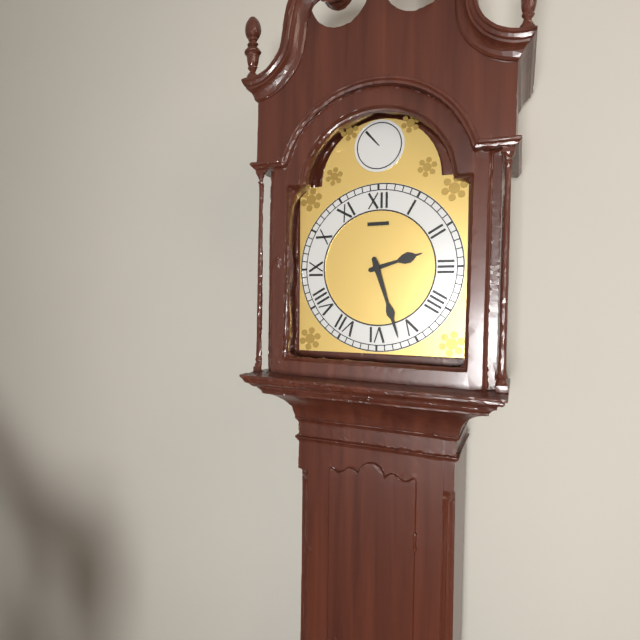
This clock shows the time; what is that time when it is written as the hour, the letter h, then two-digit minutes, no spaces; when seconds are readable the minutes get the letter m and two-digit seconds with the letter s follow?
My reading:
2h27
